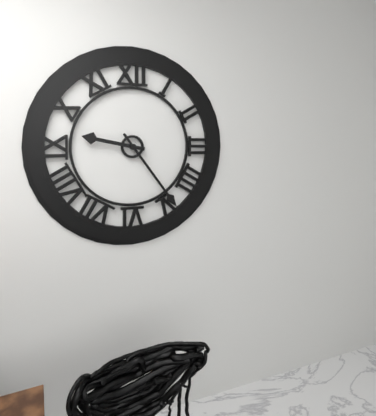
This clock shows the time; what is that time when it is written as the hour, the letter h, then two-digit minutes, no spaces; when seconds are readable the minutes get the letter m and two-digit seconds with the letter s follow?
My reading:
9h24
